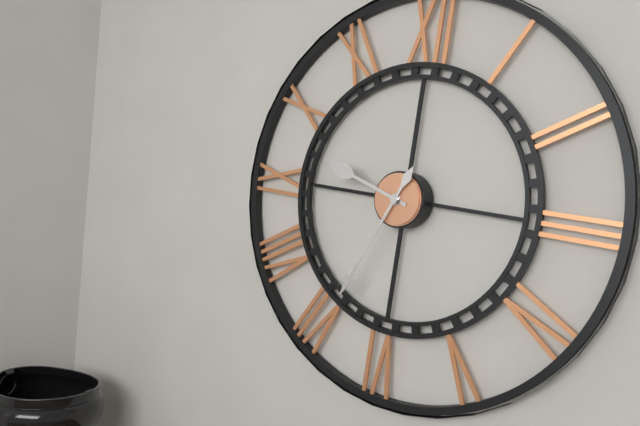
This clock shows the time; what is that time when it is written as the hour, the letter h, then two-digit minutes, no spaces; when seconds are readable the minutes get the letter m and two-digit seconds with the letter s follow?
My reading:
9h34
